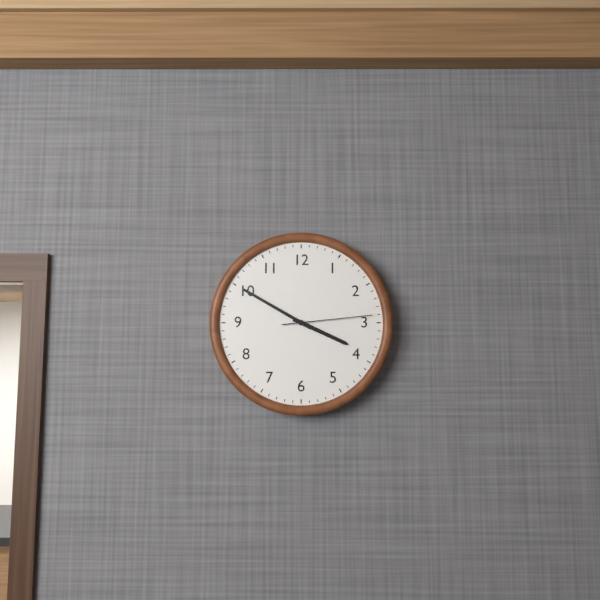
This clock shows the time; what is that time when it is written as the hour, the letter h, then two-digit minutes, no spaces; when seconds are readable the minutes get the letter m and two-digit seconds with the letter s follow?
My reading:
3h50m14s
